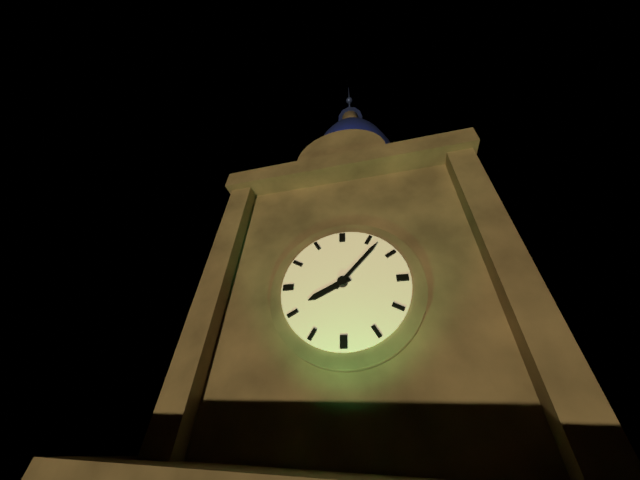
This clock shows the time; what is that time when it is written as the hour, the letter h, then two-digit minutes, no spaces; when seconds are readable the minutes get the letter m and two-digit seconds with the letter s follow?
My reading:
8h07
